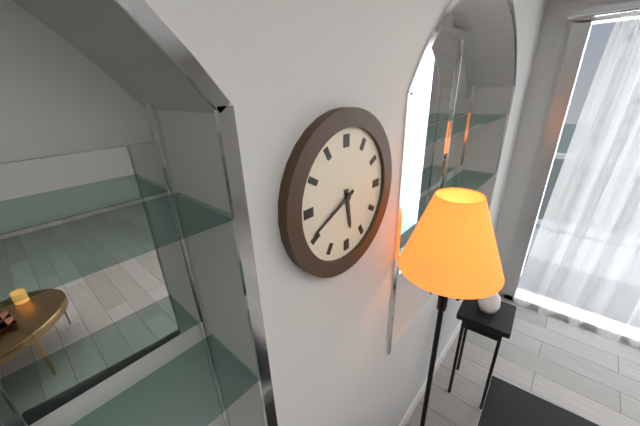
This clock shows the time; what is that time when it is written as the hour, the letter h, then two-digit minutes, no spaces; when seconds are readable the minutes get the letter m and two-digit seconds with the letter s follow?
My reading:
5h41
